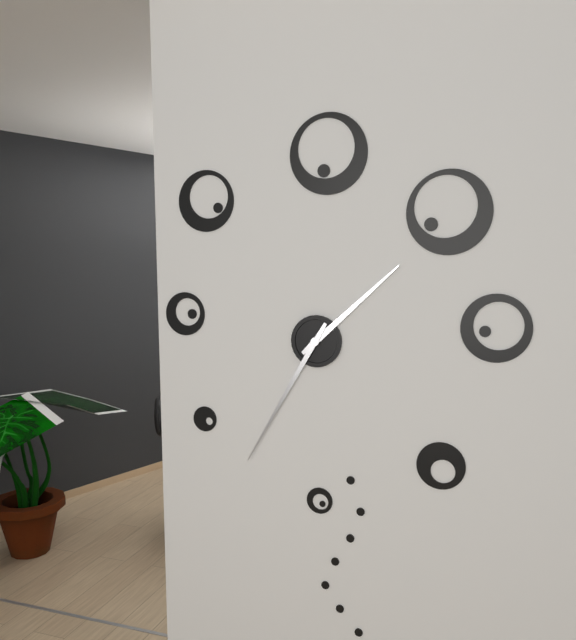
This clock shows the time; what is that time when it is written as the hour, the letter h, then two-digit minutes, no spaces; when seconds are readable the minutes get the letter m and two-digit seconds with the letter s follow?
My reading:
1h35
